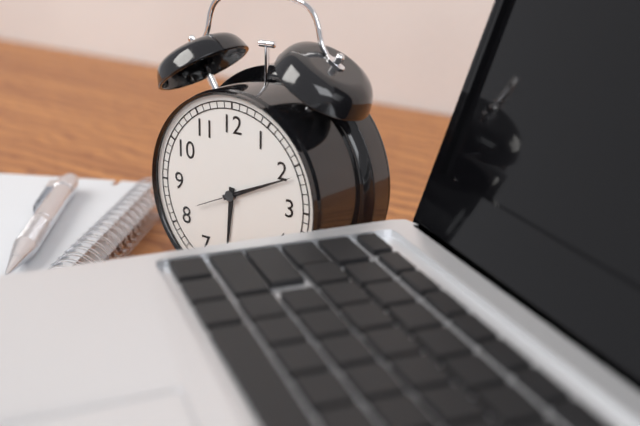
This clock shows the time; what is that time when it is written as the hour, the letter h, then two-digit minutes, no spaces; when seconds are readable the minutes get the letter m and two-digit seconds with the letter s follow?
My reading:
6h11
